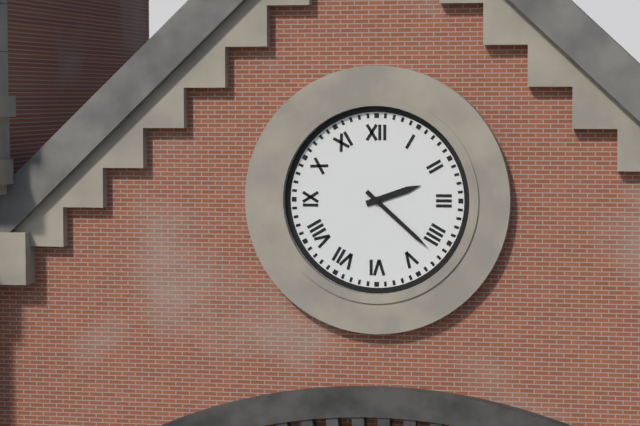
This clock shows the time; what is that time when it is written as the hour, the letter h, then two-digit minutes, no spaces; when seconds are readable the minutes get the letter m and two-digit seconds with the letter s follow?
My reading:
2h22
